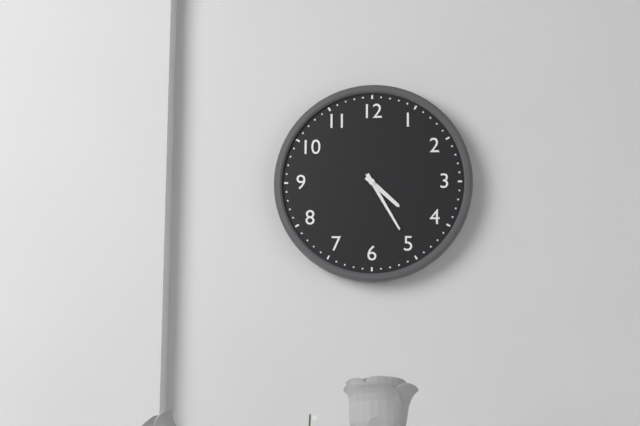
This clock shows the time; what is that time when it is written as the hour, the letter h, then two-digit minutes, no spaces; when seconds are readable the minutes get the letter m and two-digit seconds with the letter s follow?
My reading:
4h25
